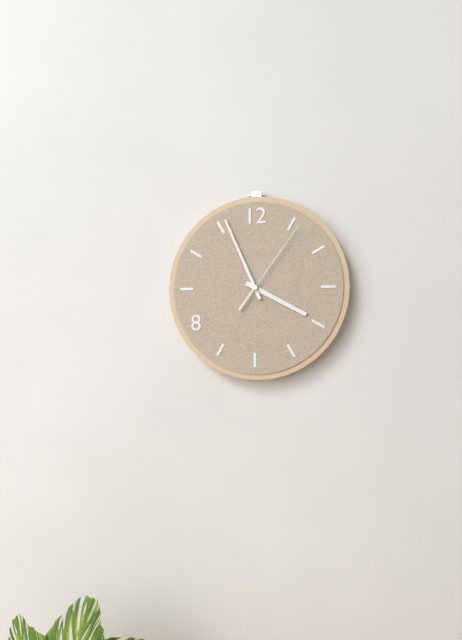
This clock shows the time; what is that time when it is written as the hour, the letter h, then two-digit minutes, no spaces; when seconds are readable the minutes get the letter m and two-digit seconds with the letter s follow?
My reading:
3h56m06s
